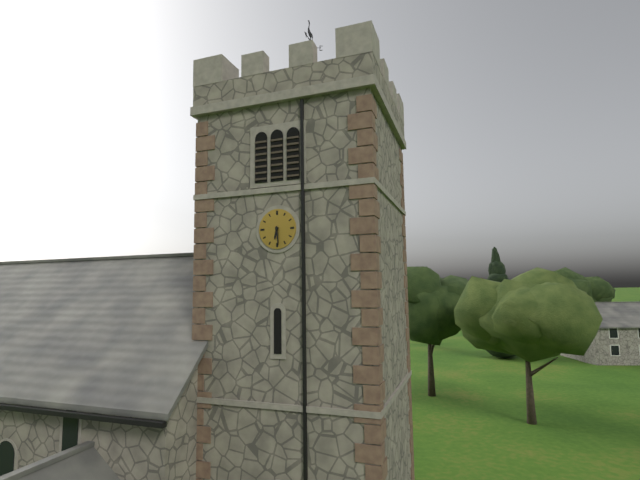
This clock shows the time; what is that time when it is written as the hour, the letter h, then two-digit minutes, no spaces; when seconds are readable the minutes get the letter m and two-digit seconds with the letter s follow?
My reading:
6h29
